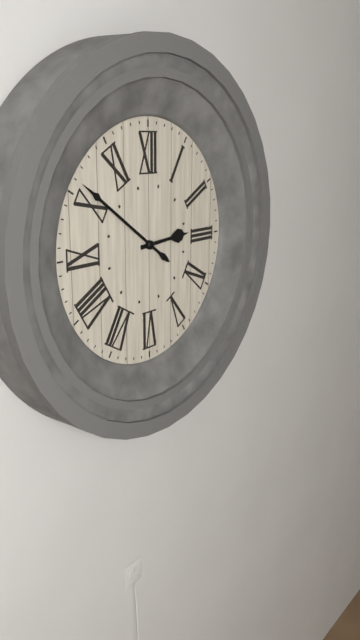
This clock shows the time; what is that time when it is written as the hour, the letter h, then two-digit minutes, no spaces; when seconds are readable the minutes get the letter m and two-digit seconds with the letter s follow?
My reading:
2h51
